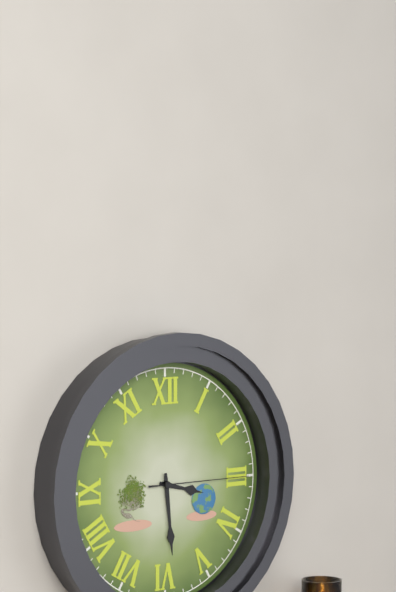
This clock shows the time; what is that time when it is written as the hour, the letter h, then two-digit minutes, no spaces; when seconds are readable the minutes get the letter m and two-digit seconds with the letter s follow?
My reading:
3h29m15s
